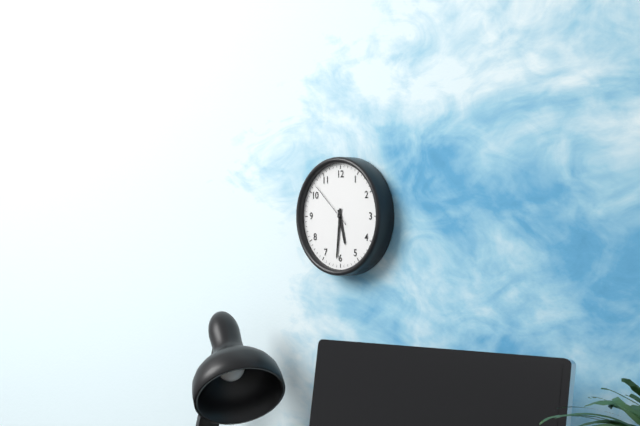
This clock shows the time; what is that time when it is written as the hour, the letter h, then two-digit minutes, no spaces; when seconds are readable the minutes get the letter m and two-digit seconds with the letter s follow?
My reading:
5h31m52s
